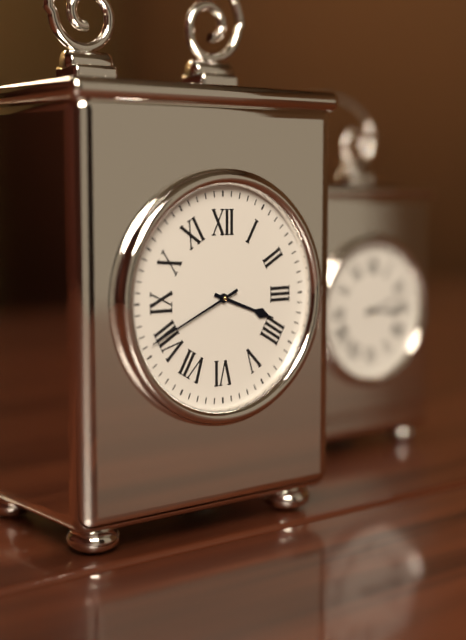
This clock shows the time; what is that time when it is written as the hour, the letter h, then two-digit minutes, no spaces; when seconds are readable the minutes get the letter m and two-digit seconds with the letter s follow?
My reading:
3h41
